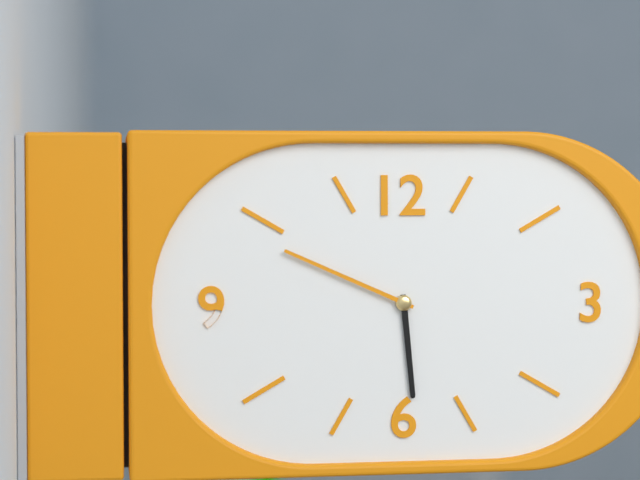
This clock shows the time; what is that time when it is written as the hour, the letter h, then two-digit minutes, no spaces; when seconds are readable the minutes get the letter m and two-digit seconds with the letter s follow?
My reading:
5h49
